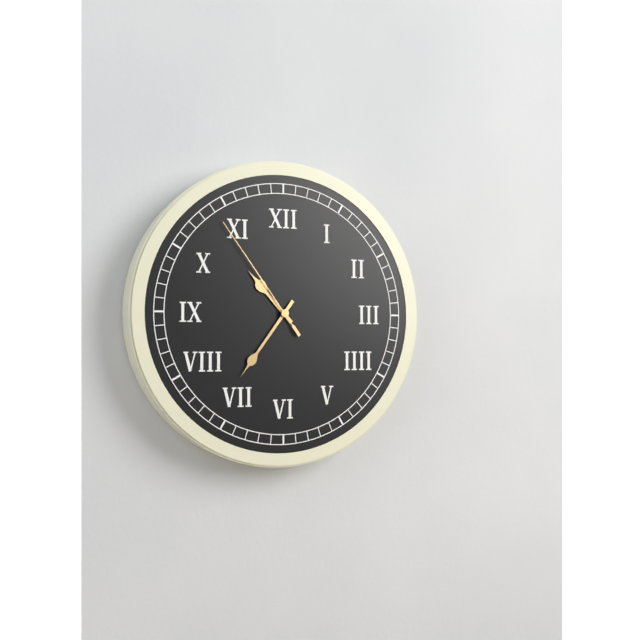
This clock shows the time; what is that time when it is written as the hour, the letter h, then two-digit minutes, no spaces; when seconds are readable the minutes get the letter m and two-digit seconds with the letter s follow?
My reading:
10h36m54s
